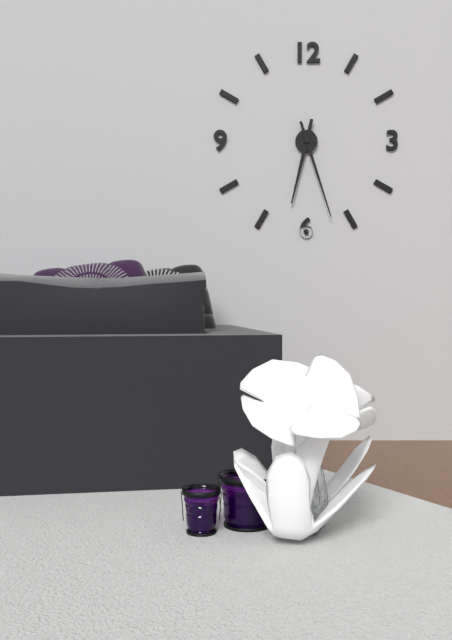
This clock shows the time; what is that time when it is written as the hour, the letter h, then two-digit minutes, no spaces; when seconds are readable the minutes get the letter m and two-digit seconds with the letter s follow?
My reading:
6h27
